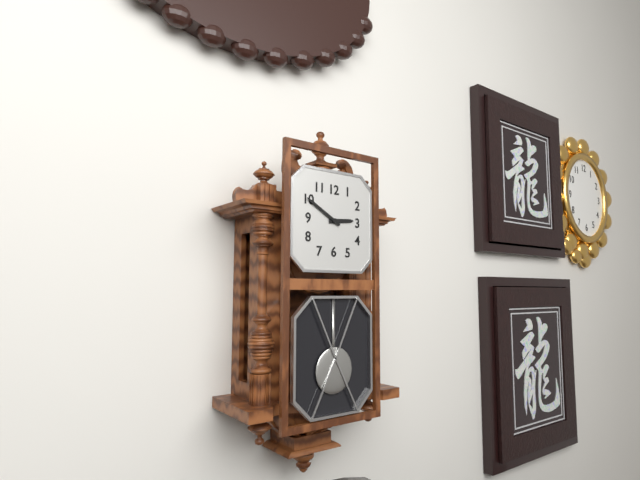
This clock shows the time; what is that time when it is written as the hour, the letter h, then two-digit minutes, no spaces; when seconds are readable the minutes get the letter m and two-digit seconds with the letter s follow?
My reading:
2h50
